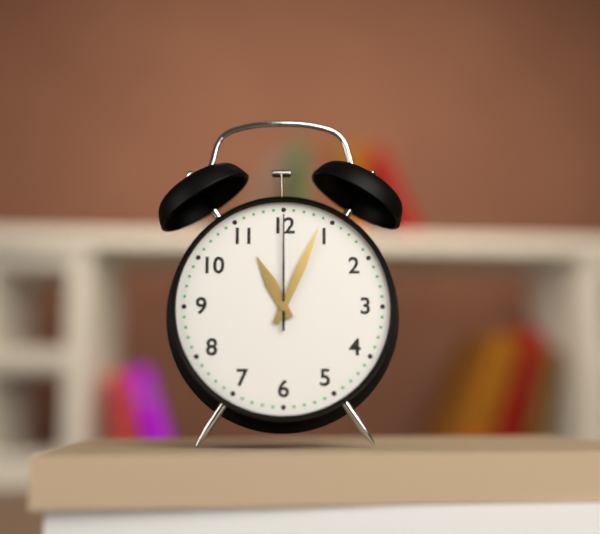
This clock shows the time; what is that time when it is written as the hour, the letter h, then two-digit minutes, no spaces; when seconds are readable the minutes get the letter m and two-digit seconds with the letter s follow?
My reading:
11h04m00s
